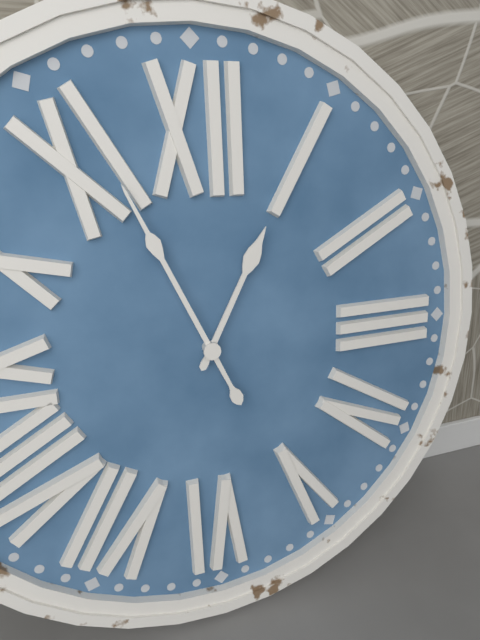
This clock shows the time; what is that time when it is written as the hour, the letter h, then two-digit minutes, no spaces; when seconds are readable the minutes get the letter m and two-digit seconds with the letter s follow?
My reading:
12h56
